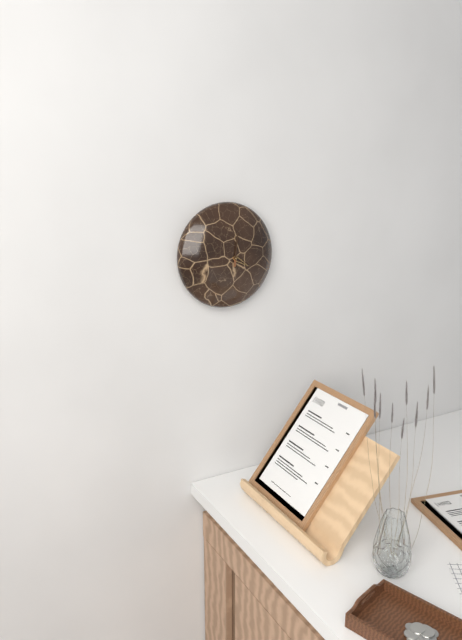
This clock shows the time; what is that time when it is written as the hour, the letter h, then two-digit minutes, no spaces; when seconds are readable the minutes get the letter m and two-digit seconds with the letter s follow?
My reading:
4h01
